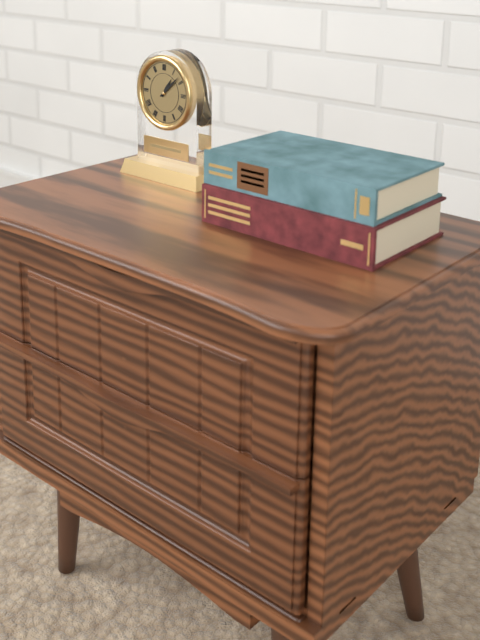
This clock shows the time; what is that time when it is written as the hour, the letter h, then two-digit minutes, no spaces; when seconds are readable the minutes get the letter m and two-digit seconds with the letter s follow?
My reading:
1h08
